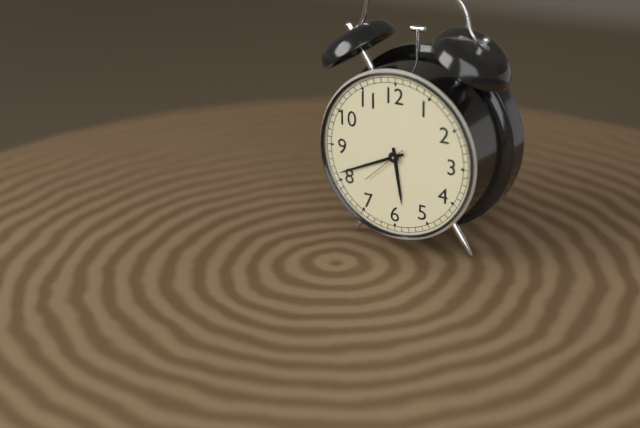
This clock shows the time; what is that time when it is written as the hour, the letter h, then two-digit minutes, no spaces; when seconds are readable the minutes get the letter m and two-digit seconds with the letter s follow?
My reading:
5h41
